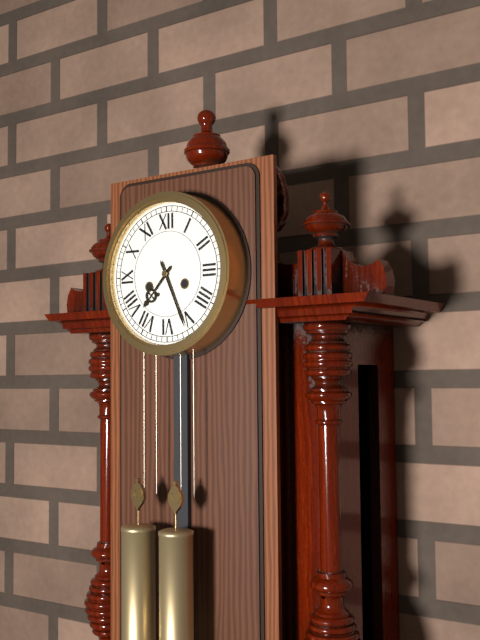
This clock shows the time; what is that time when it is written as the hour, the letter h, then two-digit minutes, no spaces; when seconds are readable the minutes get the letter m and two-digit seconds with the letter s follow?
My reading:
7h26
